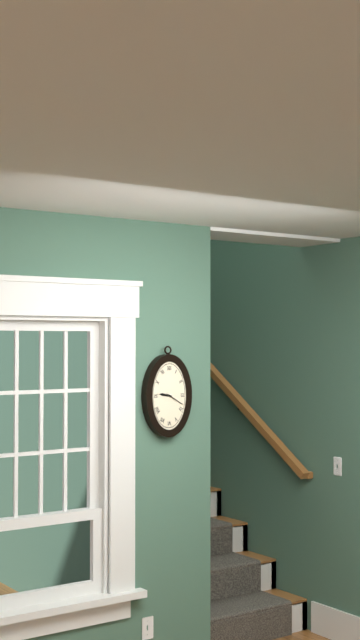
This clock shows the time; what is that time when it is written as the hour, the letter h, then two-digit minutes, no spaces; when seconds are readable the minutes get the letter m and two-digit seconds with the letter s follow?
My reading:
9h20
